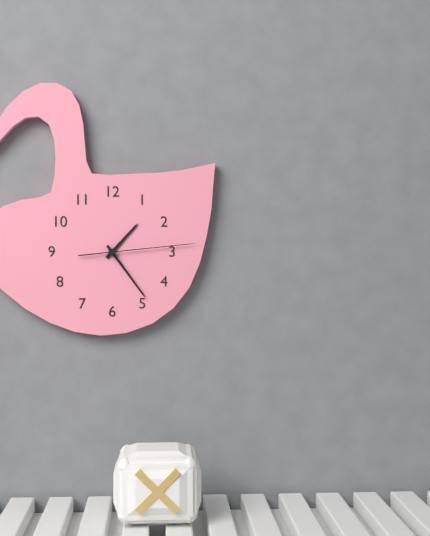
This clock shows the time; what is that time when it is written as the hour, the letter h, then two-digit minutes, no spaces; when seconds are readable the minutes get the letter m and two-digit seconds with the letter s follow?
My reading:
1h24m14s
